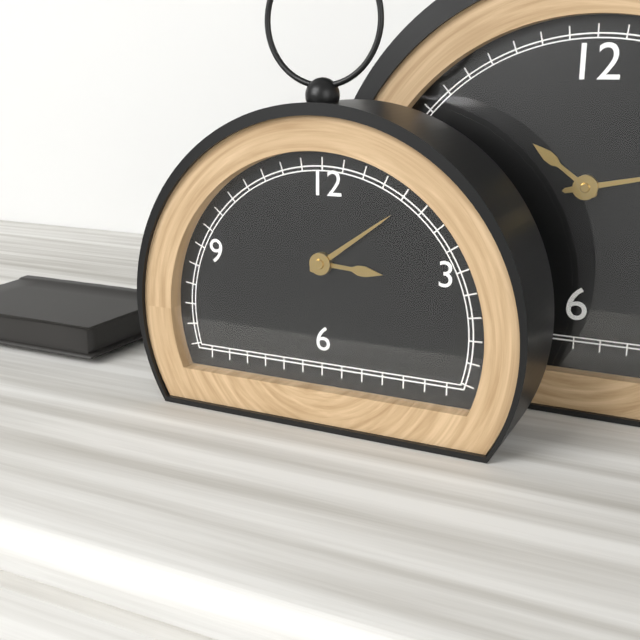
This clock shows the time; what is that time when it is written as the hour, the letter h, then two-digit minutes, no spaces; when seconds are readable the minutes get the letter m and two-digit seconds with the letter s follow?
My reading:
3h09
